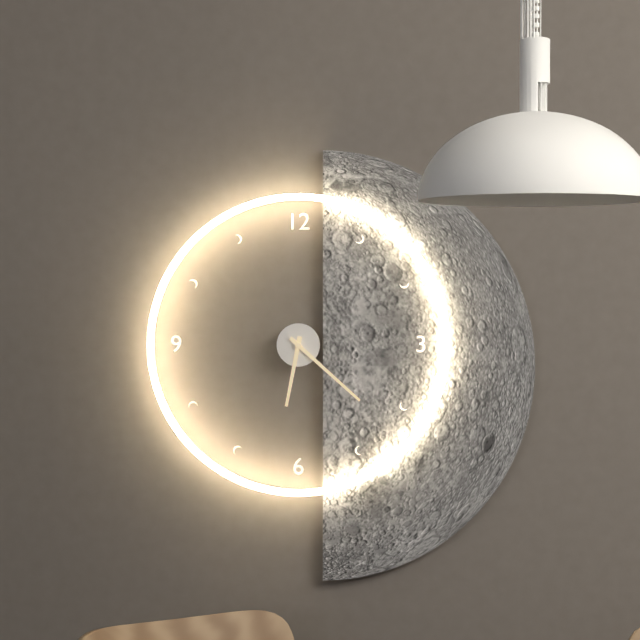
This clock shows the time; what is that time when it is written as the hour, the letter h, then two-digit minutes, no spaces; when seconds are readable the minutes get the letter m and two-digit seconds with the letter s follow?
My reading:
6h22
